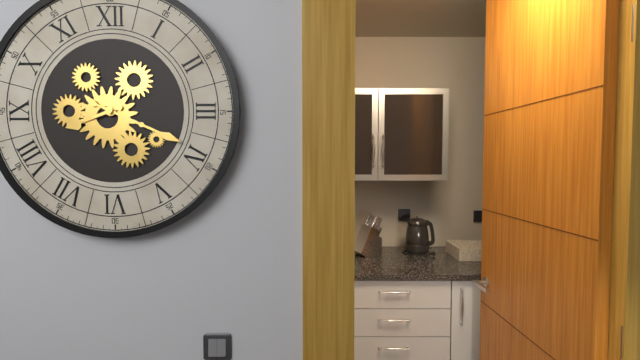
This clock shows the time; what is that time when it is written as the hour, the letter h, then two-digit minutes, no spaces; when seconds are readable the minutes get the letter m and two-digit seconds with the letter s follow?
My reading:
8h19
